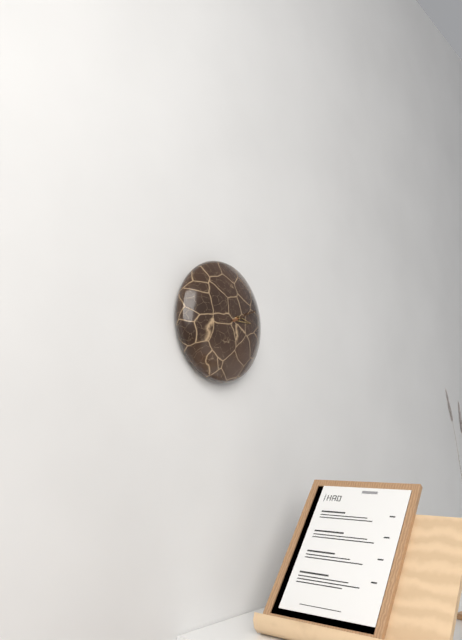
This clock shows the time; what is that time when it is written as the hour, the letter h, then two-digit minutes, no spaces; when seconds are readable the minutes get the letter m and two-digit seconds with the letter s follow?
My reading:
3h11
